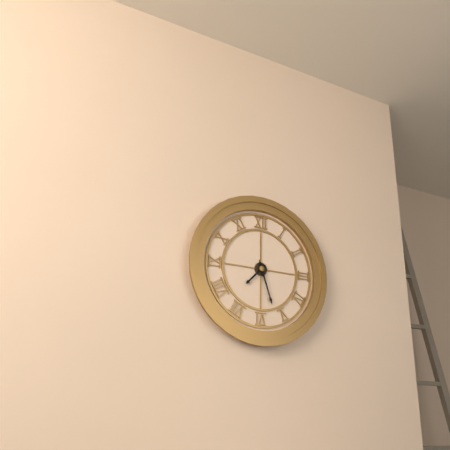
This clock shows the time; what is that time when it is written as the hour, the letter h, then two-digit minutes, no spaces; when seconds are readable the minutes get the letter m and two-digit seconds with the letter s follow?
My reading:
7h27
